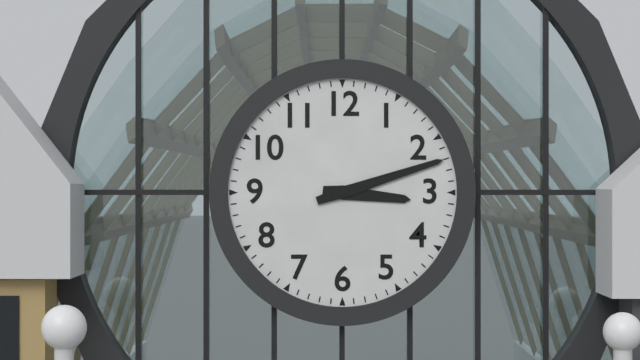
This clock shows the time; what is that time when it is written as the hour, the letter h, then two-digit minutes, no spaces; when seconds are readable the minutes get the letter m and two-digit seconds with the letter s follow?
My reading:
3h12
